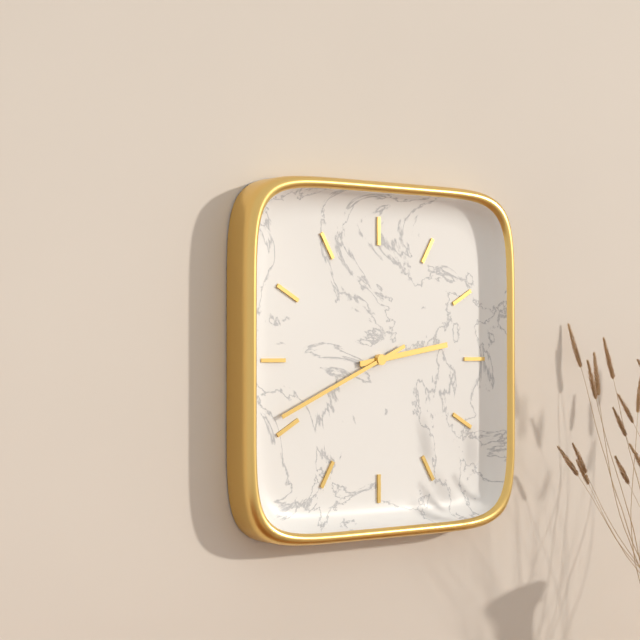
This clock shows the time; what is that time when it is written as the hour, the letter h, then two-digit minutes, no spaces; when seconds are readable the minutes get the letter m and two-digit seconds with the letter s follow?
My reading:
2h41
